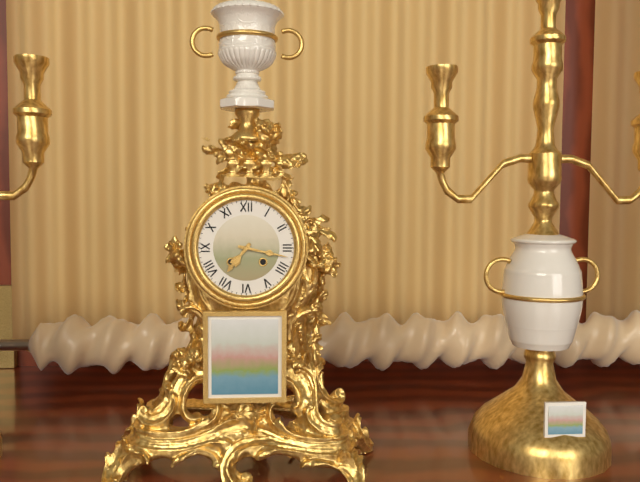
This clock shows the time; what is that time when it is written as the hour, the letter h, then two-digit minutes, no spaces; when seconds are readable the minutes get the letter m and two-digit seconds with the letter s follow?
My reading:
7h17
